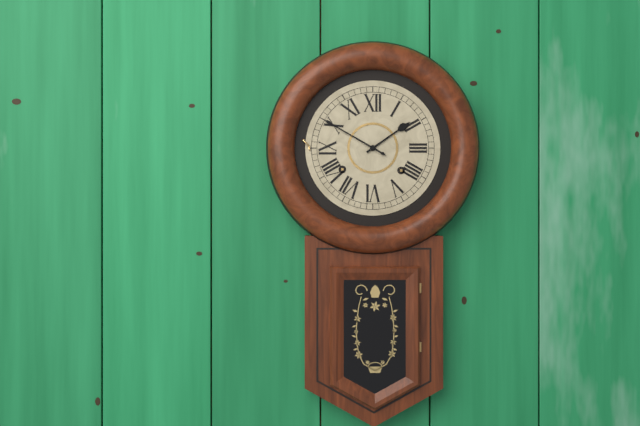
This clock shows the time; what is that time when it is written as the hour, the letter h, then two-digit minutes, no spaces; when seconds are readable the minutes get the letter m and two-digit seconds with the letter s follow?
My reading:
1h50
